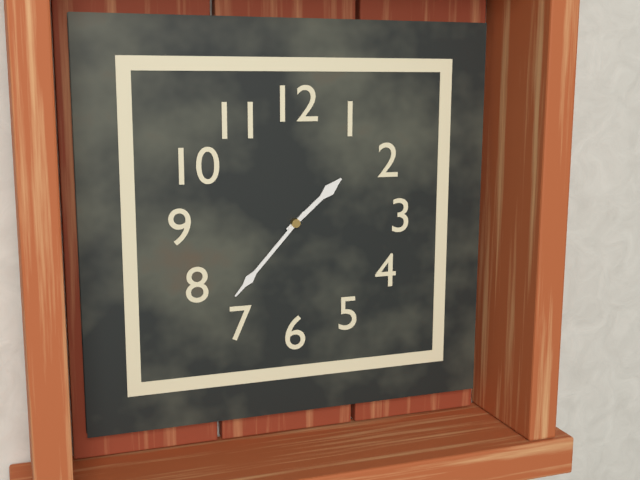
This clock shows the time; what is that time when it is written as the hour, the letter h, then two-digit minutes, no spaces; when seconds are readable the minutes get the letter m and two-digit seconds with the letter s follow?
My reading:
1h37
